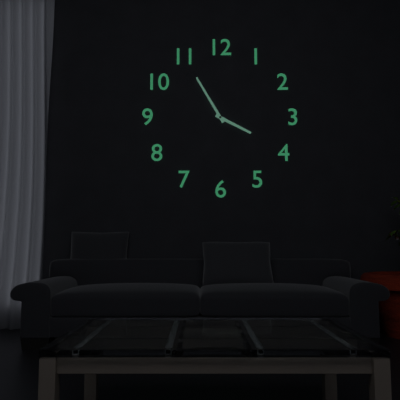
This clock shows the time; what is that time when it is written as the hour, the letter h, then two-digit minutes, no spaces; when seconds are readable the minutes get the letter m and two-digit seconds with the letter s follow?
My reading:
3h55
